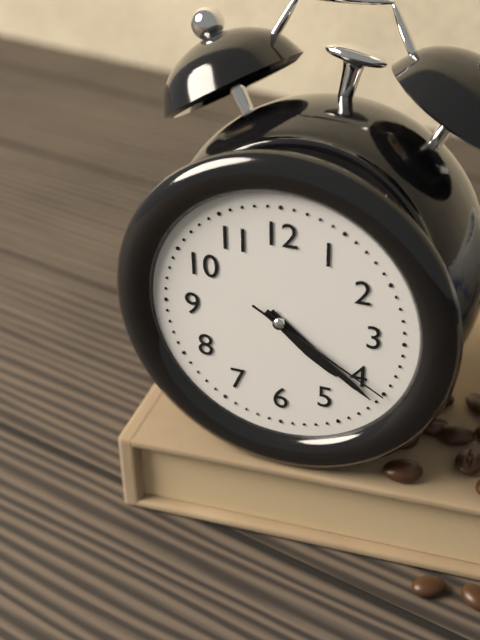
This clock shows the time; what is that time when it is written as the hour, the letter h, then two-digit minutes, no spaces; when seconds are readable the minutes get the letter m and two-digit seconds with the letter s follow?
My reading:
4h21m20s
